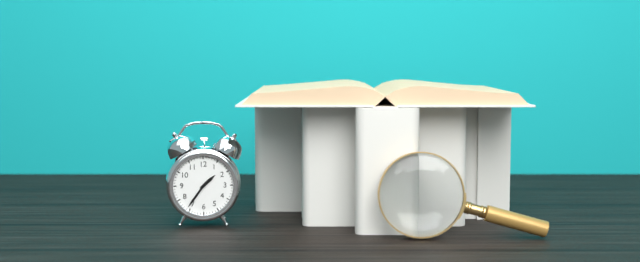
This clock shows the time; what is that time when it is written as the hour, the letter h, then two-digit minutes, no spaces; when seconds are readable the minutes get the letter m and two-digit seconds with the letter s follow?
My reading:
1h36
